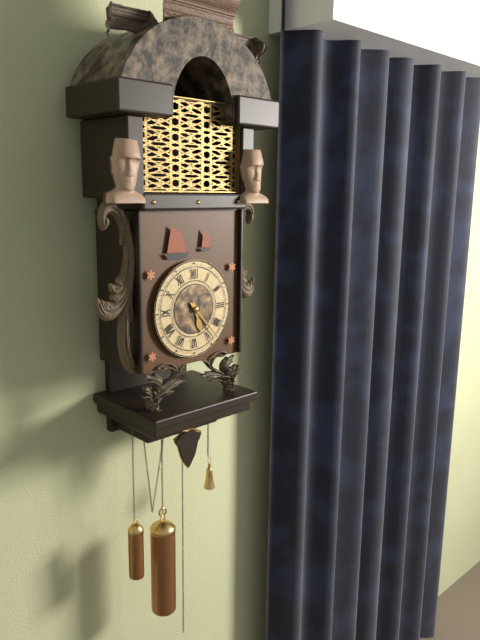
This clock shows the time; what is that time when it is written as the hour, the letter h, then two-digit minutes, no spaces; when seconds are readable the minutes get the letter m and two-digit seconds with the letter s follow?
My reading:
5h23
